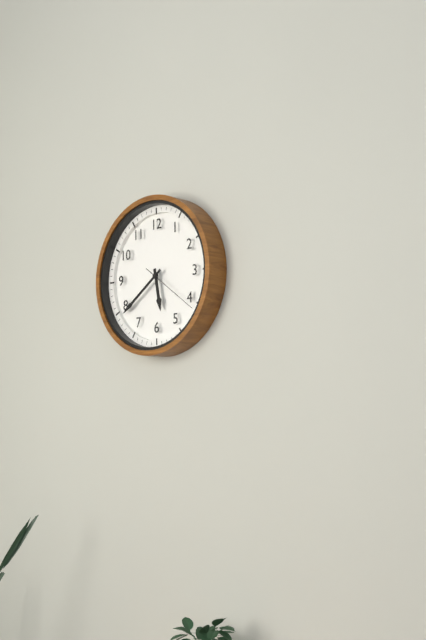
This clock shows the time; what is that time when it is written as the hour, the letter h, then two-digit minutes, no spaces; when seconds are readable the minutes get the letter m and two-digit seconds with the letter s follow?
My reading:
5h39m21s
